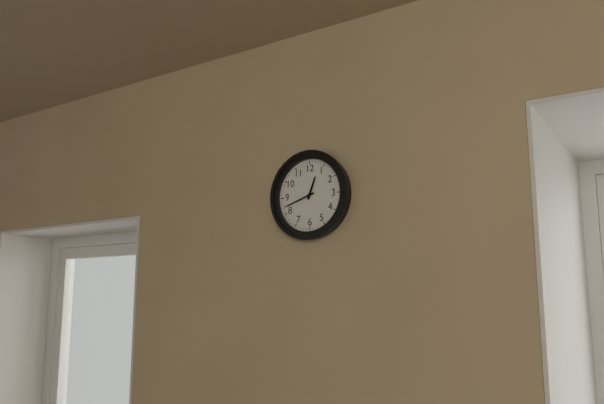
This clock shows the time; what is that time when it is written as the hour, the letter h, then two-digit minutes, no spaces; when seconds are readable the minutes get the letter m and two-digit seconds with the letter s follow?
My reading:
12h42
